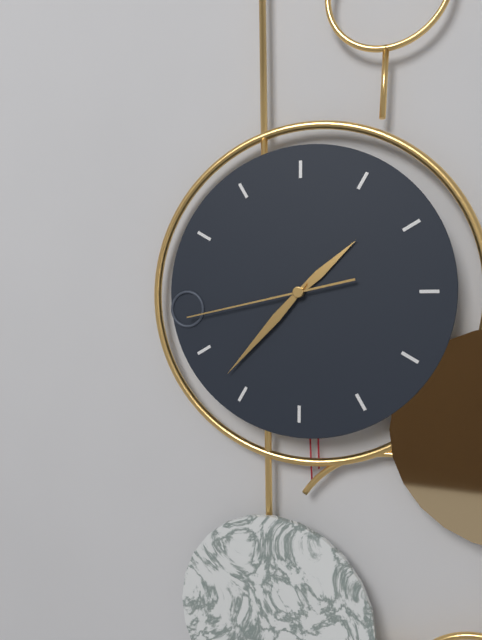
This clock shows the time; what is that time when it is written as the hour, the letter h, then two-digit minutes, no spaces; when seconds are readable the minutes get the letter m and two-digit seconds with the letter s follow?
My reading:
1h37m43s
